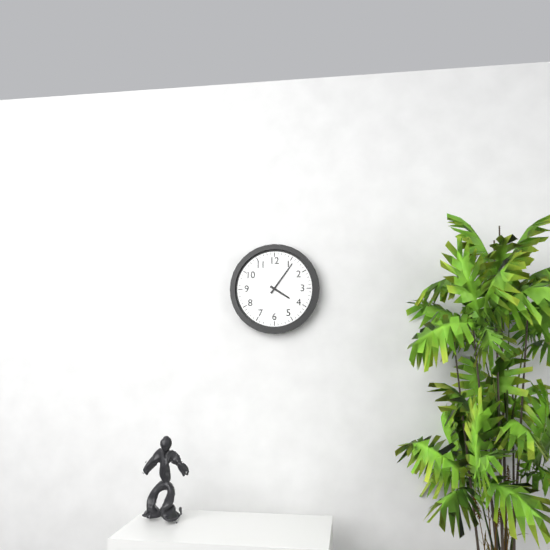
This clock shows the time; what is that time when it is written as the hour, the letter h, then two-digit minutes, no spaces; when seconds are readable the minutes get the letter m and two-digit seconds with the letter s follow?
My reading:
4h06
